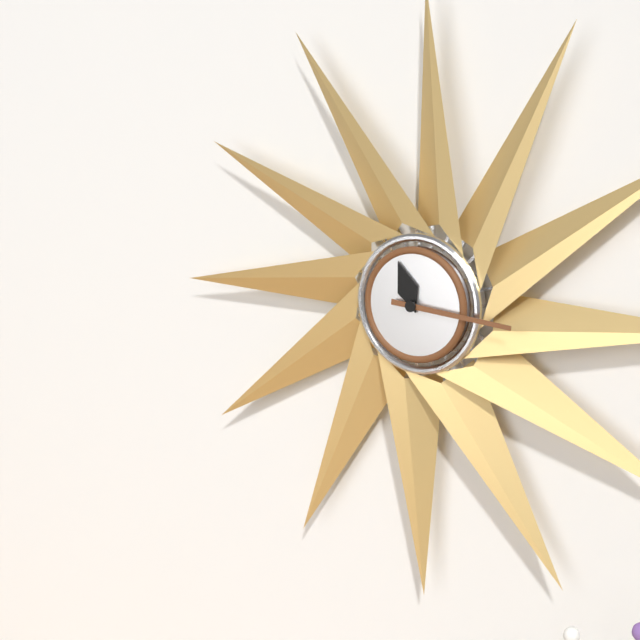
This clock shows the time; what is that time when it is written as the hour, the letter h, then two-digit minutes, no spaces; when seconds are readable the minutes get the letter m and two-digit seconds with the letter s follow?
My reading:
11h16
